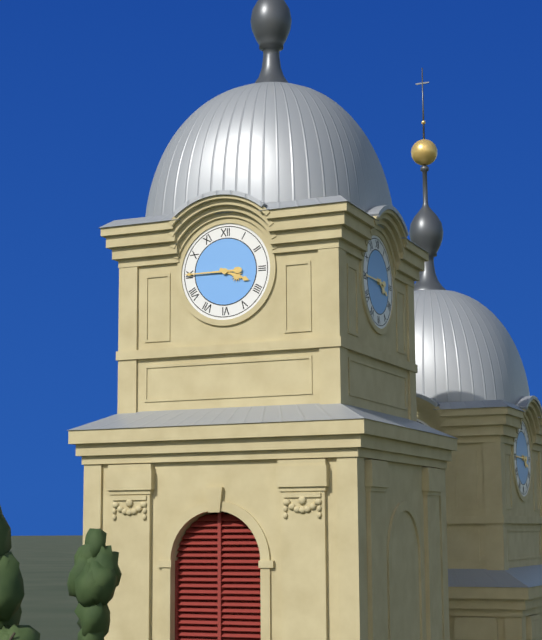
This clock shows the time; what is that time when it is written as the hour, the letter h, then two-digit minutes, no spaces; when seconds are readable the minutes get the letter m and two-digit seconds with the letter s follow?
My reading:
3h45
